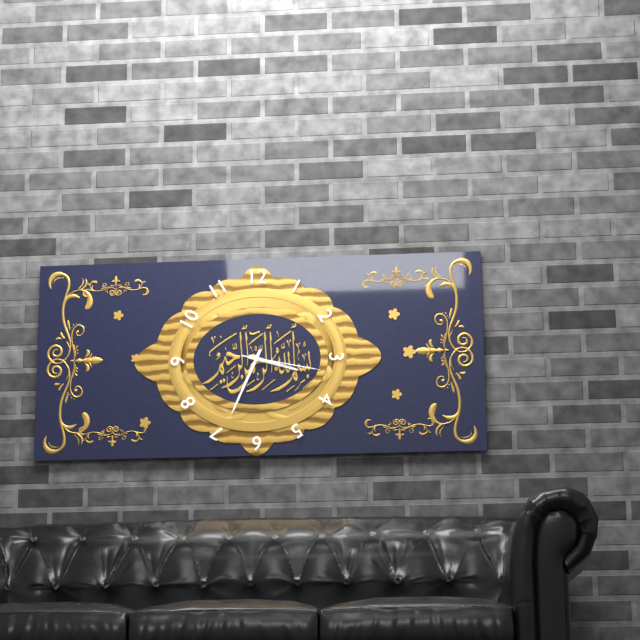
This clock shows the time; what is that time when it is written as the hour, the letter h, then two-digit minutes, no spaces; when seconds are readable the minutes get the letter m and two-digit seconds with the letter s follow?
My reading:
3h34m17s
